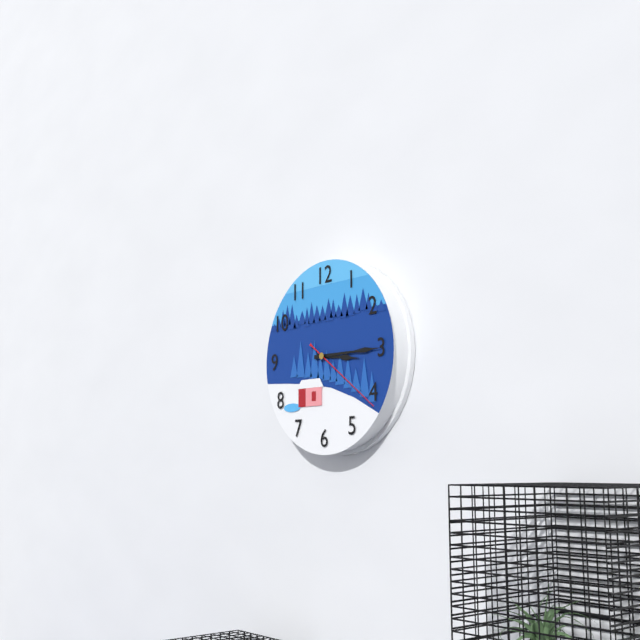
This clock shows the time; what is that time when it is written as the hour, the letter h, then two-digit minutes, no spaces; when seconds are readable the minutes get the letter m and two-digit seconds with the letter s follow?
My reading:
3h15m21s
